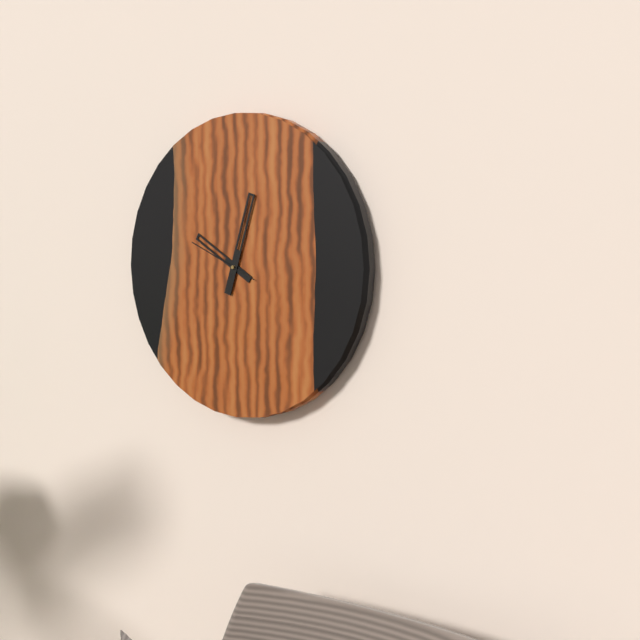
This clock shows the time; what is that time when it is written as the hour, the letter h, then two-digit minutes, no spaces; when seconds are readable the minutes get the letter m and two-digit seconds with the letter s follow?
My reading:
10h03m49s
